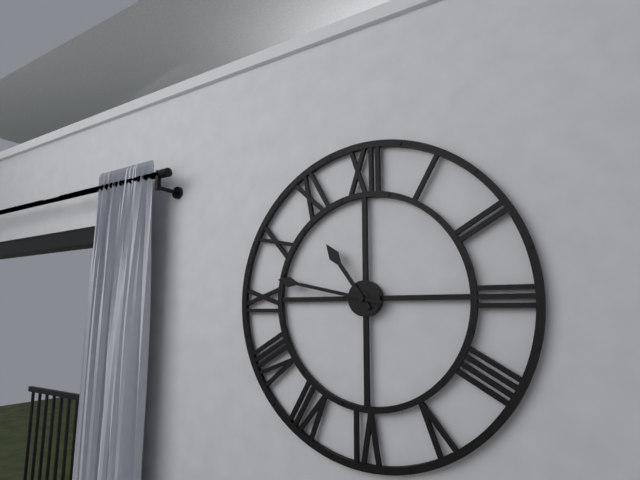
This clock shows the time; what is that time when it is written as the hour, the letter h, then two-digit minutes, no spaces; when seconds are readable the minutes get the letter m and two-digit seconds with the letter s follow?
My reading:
10h47
